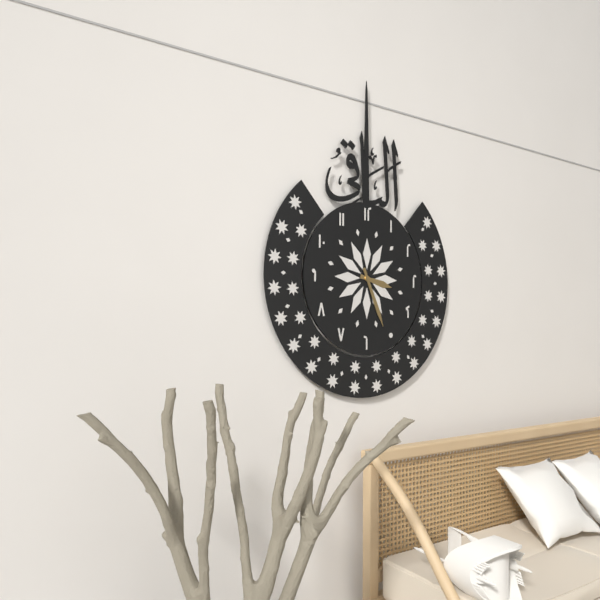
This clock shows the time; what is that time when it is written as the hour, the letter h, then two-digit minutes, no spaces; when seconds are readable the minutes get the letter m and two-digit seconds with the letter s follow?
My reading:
3h26
